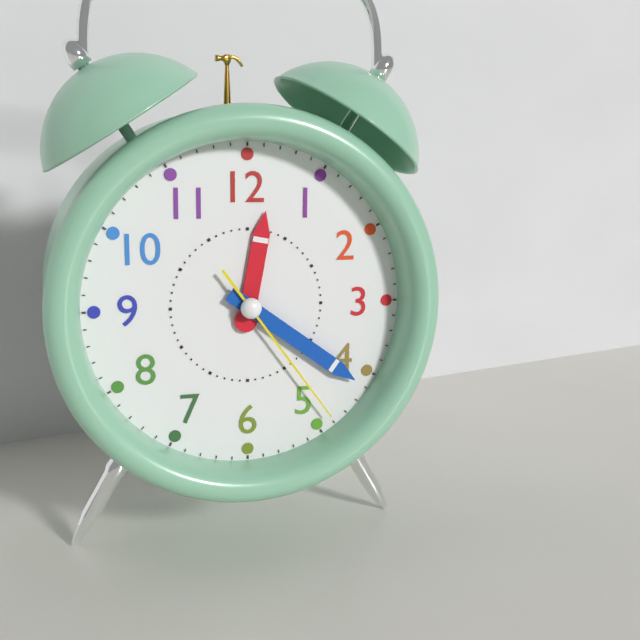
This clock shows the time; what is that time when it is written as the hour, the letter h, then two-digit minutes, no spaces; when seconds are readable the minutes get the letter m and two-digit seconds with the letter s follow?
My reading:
12h21m24s
